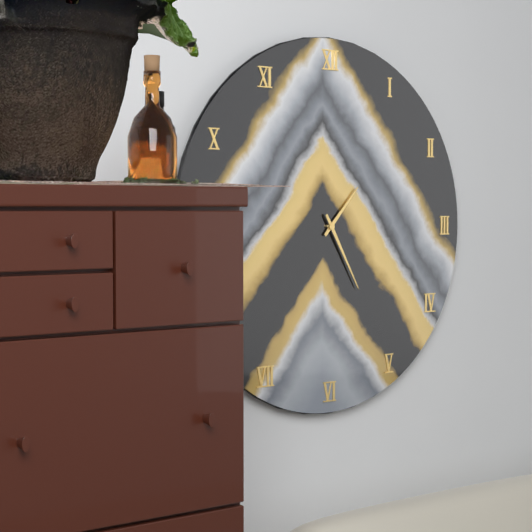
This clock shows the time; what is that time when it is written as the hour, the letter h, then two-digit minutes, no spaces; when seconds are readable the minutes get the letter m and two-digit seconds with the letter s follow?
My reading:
1h25
